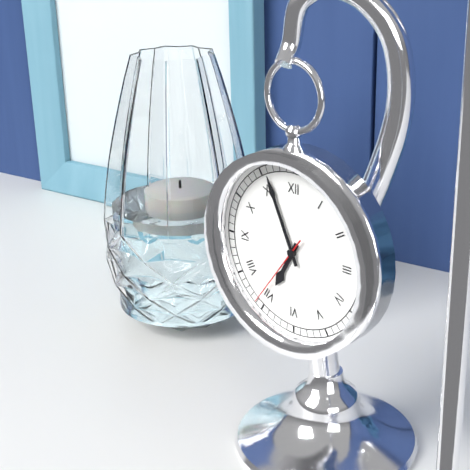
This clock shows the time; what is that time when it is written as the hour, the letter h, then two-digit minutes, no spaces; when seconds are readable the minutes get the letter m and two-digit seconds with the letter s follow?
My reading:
6h56m36s
